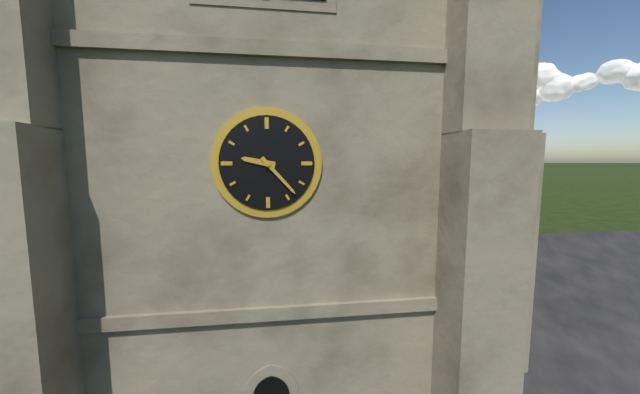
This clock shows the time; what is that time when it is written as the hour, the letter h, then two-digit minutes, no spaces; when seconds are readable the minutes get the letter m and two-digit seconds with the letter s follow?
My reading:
9h23
